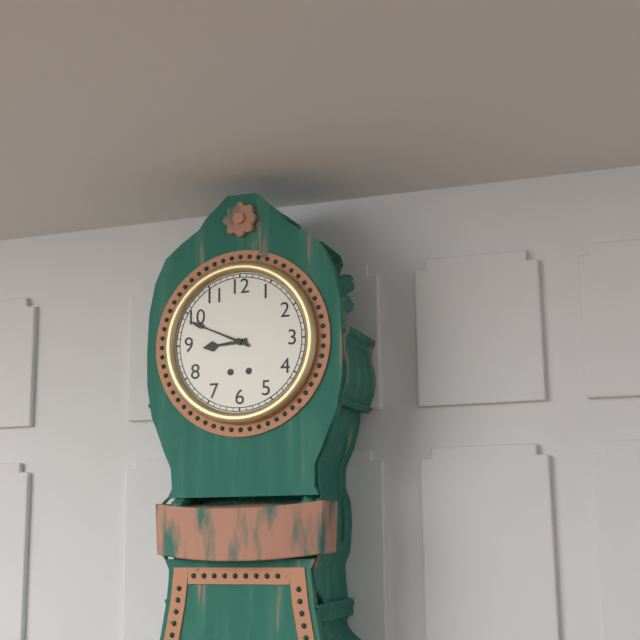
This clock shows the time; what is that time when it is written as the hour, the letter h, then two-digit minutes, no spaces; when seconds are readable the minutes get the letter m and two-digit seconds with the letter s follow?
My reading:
8h49
